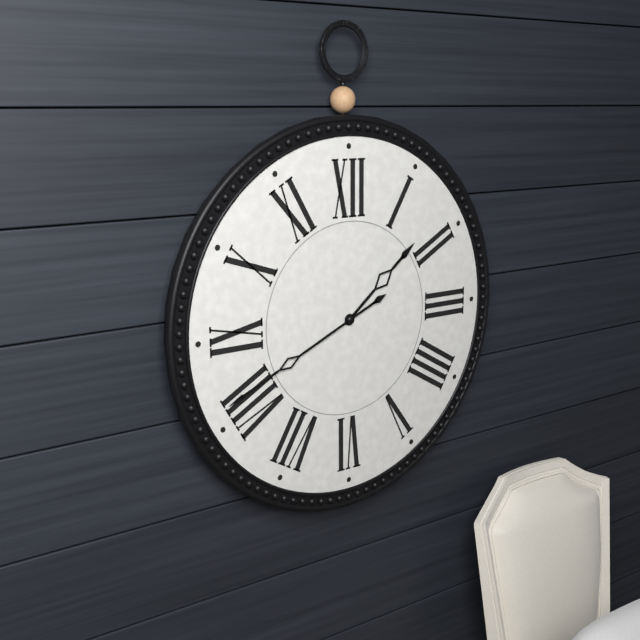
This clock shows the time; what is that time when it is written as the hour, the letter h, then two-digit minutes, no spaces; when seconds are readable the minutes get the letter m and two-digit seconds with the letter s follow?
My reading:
1h41
